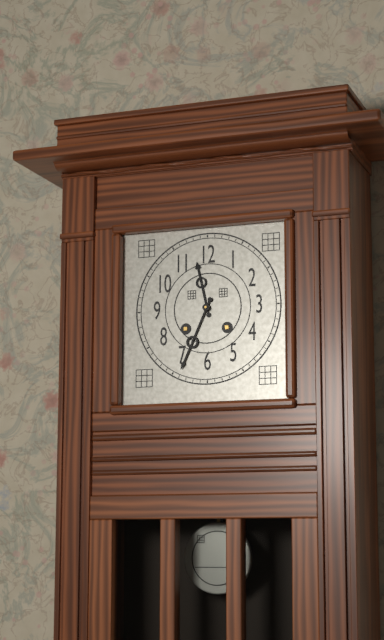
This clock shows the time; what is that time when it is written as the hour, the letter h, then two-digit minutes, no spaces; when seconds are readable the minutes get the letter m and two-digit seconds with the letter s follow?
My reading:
11h34
